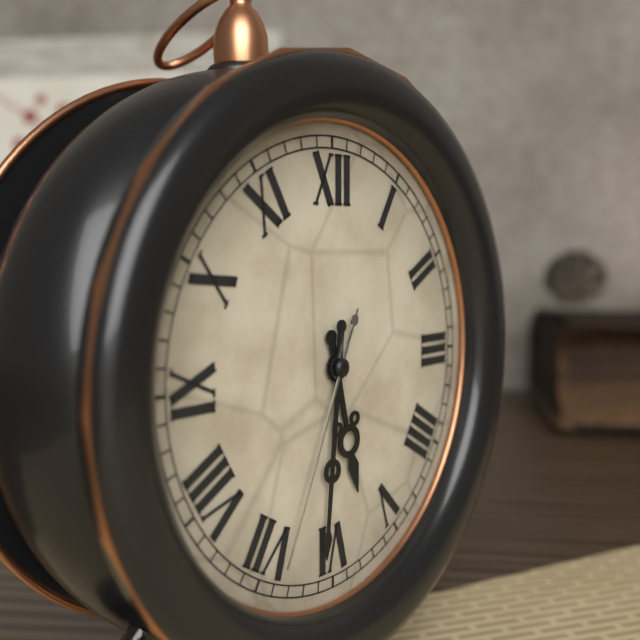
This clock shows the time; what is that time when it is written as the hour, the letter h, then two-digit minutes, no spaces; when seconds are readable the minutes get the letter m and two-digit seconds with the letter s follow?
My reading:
5h31m34s
